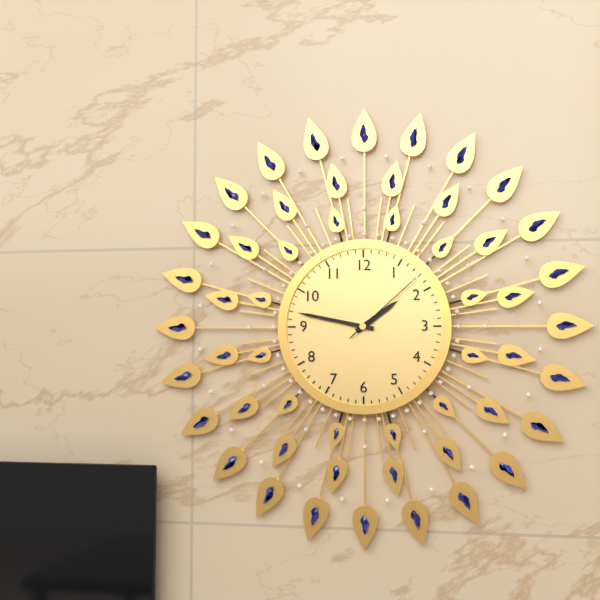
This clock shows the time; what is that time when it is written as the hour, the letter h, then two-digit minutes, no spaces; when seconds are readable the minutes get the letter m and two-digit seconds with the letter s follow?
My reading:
1h47m08s
